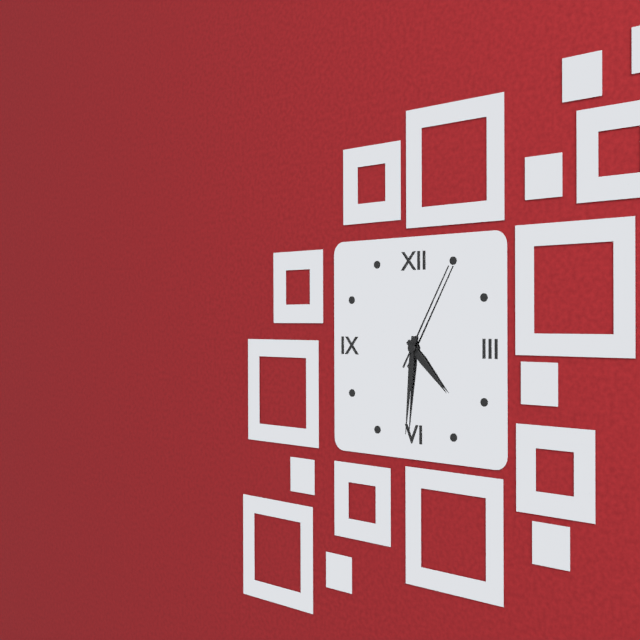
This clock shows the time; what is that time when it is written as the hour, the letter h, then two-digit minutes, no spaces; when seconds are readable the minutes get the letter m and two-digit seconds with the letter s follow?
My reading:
4h31m05s
